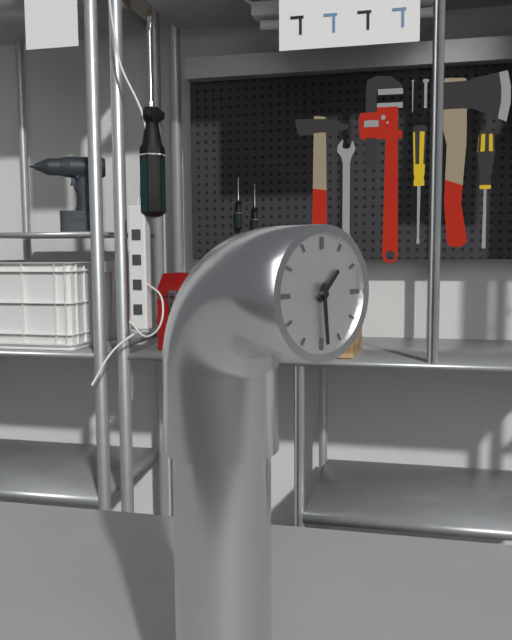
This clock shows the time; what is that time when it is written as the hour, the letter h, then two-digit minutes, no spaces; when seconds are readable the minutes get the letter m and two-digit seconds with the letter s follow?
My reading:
1h29
